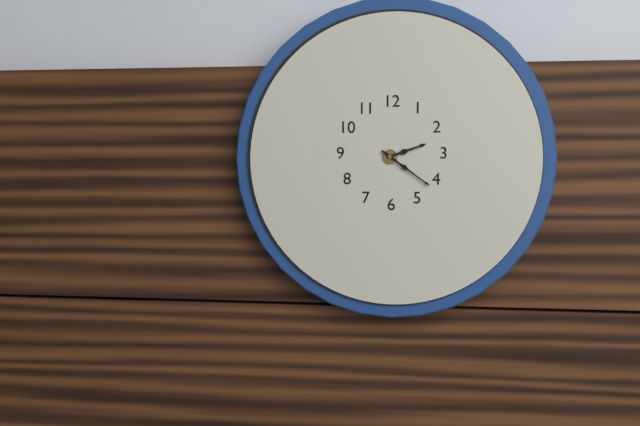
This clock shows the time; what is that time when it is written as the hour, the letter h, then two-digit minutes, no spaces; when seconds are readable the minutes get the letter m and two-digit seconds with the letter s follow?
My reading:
2h21
